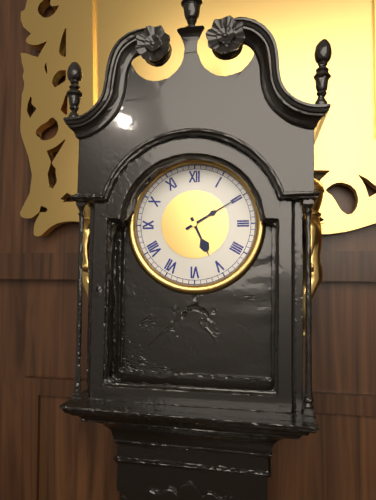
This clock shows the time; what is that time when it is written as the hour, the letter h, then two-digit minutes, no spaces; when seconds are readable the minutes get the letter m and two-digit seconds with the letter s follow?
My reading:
5h10
